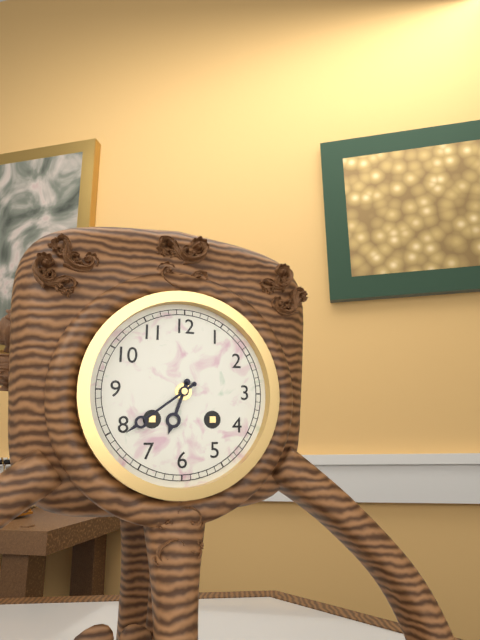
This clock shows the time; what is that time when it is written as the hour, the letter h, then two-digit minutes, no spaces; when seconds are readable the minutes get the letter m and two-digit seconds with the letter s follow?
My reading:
6h39
